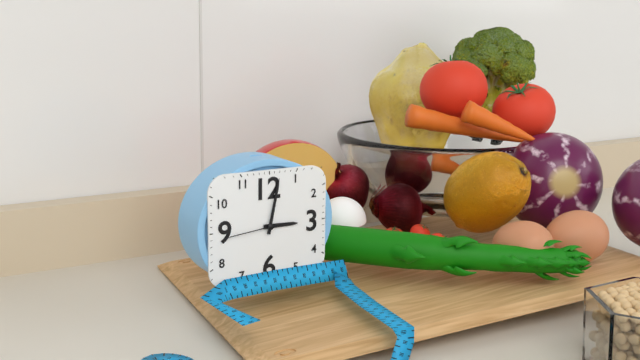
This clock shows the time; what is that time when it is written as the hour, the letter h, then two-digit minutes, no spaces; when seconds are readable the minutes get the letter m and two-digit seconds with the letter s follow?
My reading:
3h02m44s
